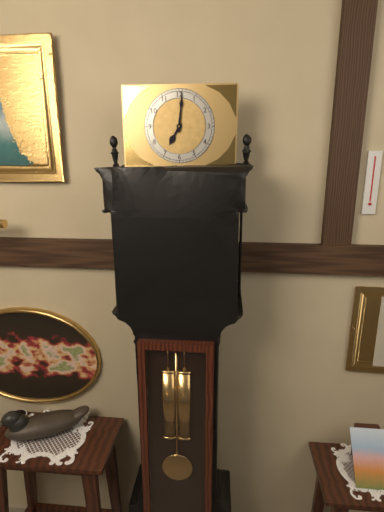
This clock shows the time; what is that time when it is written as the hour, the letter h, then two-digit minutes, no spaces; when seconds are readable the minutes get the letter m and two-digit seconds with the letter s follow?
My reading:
7h01
